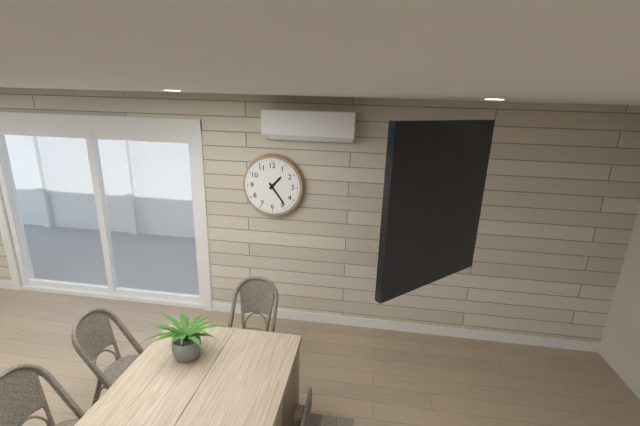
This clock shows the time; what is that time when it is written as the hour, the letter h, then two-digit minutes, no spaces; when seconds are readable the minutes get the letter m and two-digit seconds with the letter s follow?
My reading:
1h24
